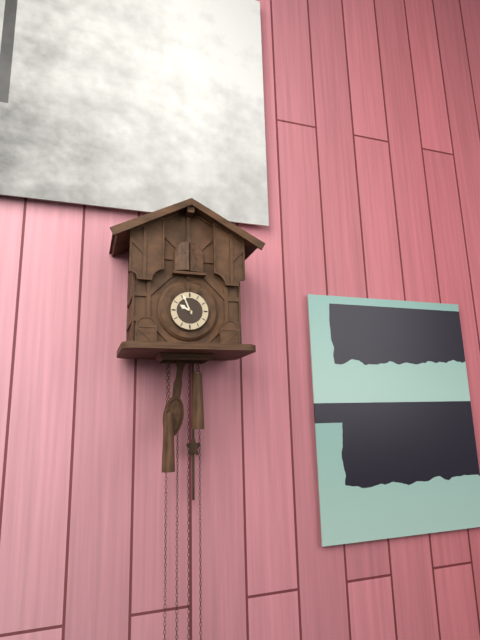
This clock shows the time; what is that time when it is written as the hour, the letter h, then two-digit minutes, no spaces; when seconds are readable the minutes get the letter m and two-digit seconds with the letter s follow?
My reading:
9h56
